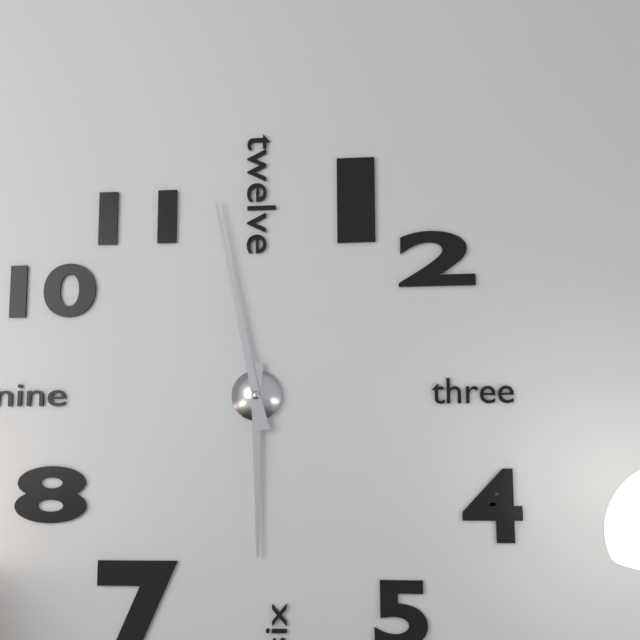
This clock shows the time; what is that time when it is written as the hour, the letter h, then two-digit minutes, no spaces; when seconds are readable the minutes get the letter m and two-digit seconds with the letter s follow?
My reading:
5h58
